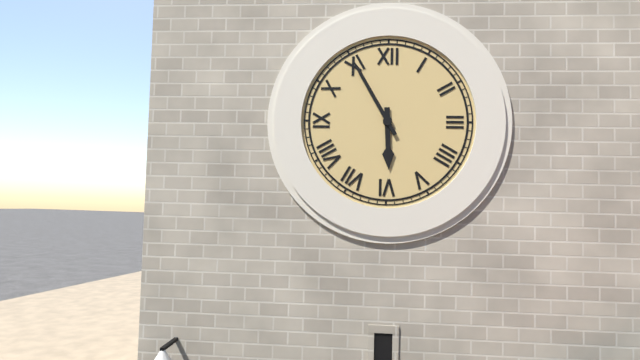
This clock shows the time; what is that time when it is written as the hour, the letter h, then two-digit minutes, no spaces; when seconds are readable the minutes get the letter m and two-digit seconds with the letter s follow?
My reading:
5h55
